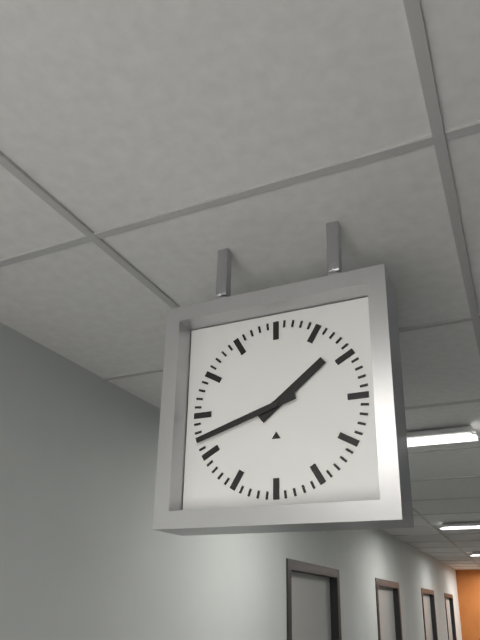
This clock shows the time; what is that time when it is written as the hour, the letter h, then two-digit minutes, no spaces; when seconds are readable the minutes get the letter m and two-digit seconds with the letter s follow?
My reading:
1h42
